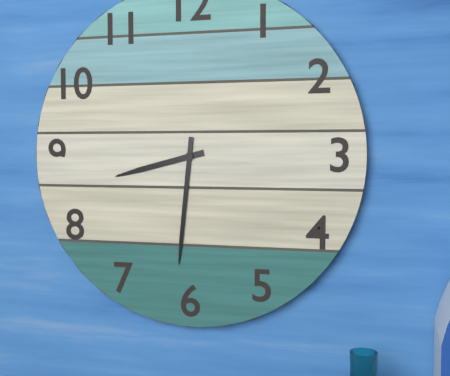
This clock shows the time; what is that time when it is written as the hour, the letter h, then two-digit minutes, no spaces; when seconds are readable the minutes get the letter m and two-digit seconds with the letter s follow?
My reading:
8h31
